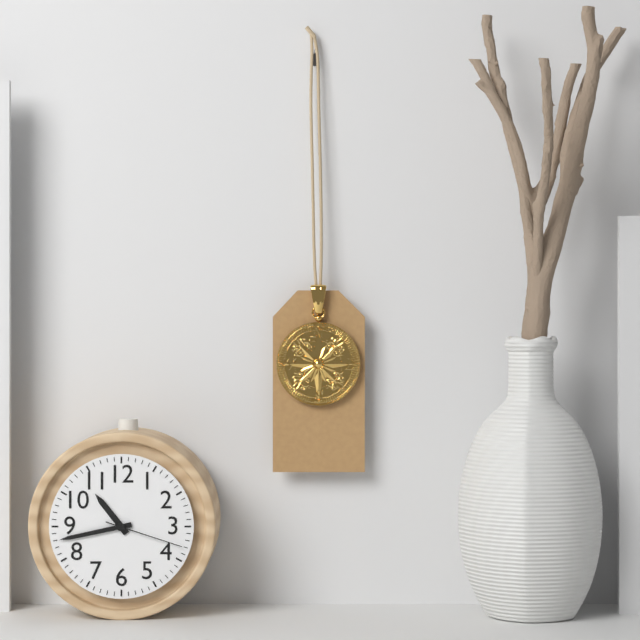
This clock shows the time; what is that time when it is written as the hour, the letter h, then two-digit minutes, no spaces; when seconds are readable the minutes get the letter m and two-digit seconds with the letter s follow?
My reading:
10h43m18s
